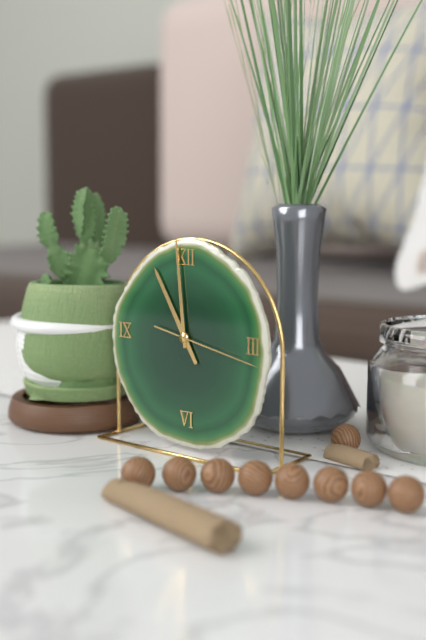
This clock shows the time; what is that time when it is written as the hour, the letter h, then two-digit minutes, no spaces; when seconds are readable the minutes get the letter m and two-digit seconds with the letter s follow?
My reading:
10h59m17s
